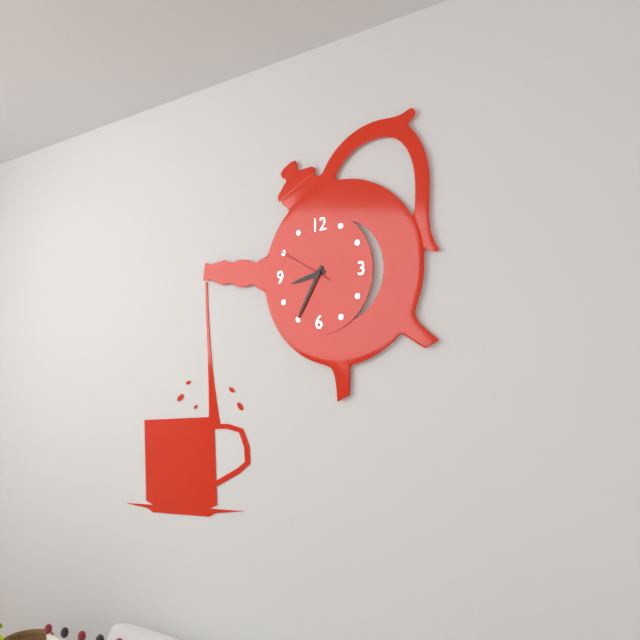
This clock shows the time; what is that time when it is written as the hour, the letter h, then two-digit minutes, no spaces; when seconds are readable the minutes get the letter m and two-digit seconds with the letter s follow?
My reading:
8h35m50s
